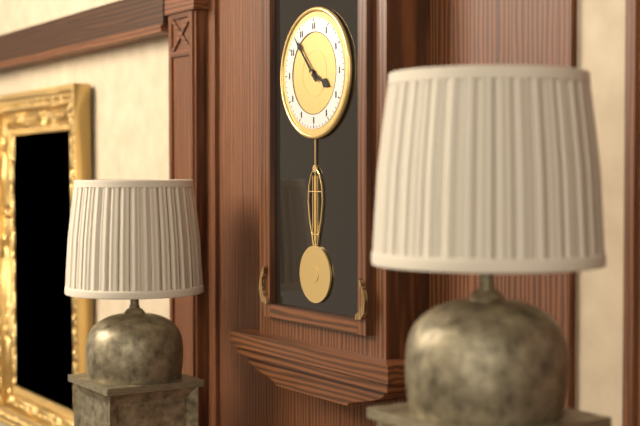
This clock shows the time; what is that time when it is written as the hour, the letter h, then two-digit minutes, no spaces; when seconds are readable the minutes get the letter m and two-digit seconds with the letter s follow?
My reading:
3h53
